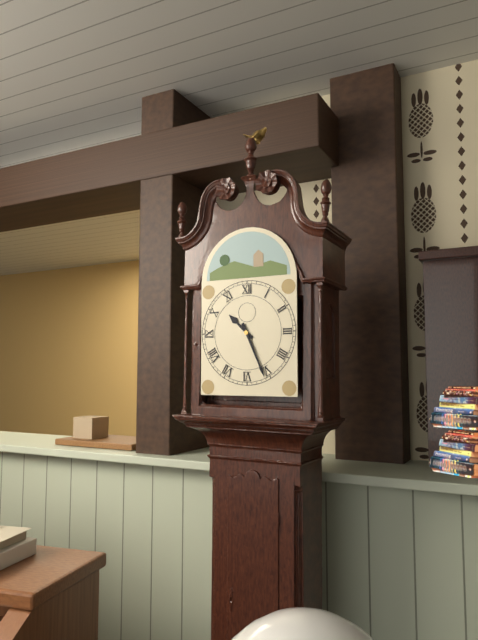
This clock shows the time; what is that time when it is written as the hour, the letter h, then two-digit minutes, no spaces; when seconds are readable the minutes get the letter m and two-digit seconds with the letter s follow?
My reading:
10h26
